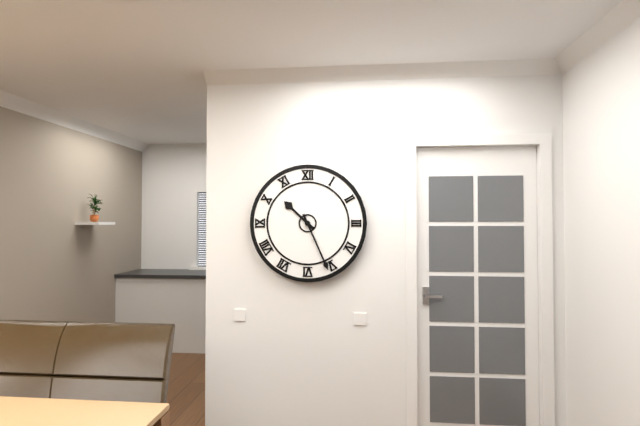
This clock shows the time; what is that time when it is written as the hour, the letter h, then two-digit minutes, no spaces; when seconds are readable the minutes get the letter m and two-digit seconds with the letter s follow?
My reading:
10h26
